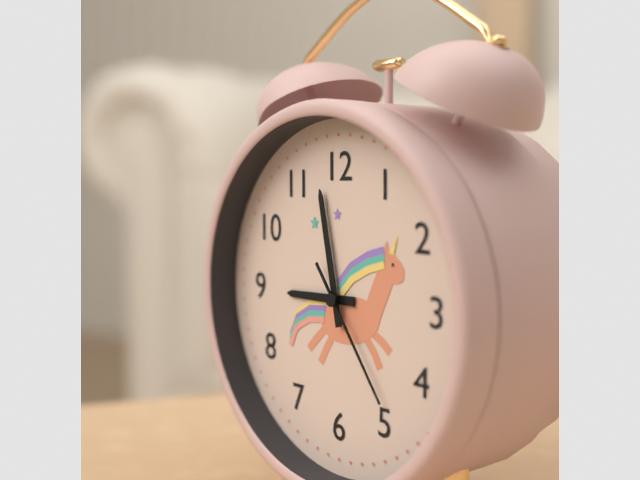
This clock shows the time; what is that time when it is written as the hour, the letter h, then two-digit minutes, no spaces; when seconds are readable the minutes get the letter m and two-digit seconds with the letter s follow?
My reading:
8h58m24s
